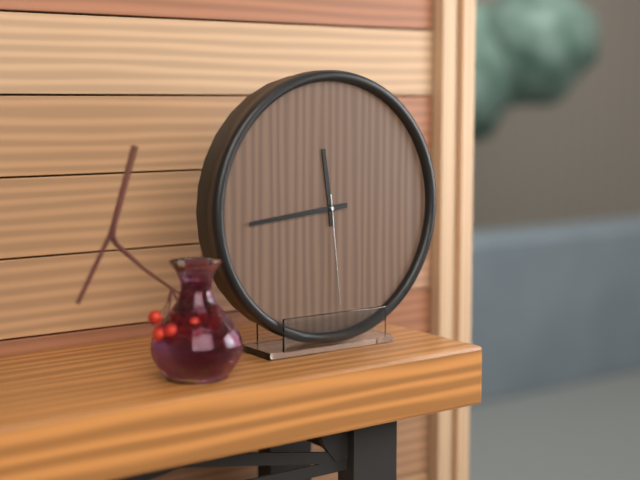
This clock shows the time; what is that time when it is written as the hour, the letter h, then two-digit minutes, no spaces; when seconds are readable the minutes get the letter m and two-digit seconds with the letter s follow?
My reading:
11h44m29s
